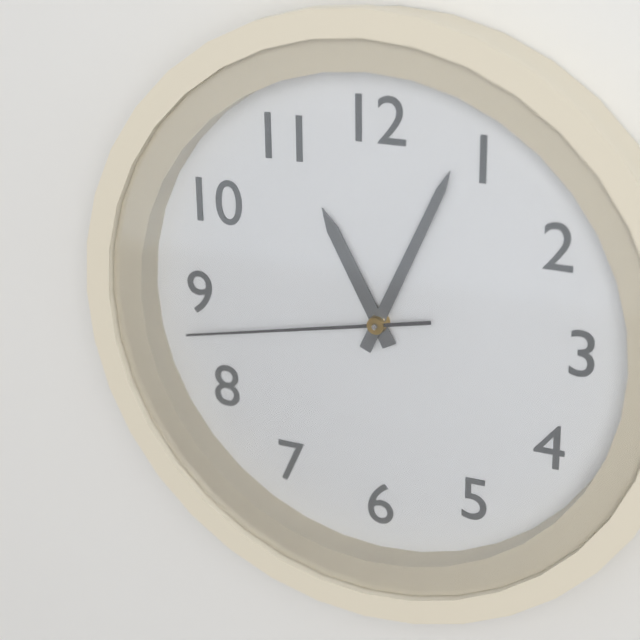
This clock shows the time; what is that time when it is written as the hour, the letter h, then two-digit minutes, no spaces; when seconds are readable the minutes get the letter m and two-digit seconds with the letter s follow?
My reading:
11h04m43s
